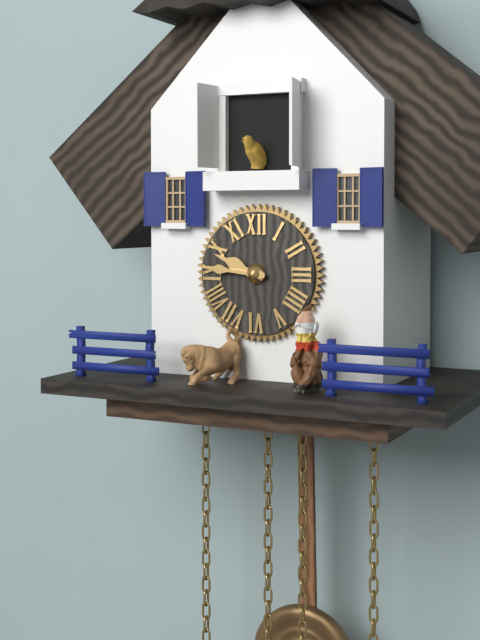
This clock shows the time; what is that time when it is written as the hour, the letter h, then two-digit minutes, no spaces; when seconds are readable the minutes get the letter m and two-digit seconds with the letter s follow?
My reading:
9h46
